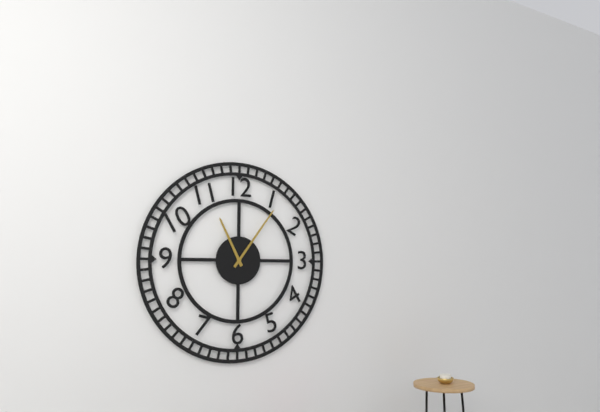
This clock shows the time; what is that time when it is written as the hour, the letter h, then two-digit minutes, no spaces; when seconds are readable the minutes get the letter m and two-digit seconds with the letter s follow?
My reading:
11h06
